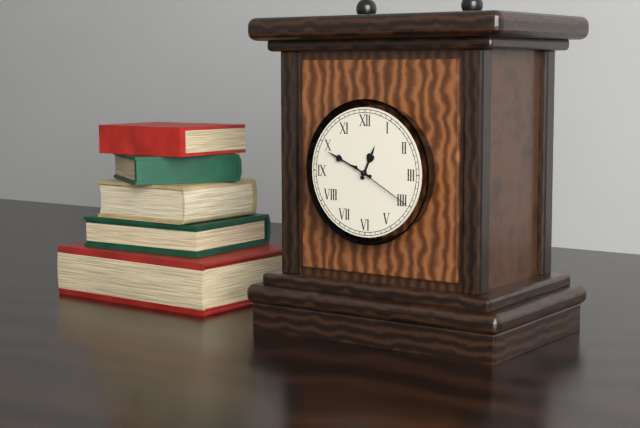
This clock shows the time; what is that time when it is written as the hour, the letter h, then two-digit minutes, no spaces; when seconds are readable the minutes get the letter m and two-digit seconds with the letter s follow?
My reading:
12h49m20s
